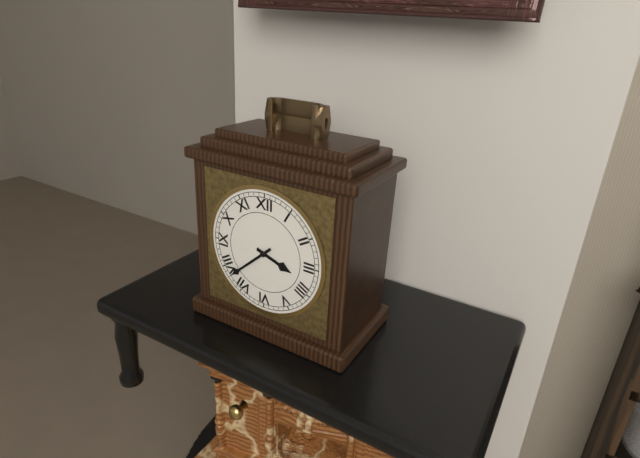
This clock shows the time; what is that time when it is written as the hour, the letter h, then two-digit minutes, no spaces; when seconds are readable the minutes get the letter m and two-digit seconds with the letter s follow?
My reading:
3h38
